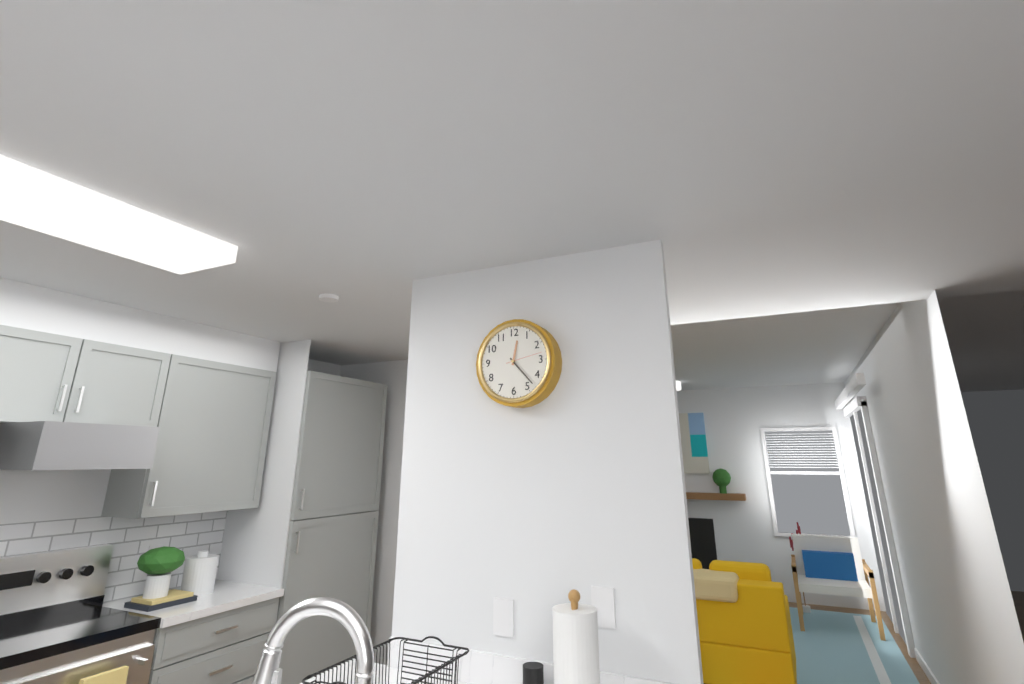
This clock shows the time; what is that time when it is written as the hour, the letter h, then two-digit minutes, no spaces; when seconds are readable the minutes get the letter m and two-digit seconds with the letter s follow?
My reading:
12h23
